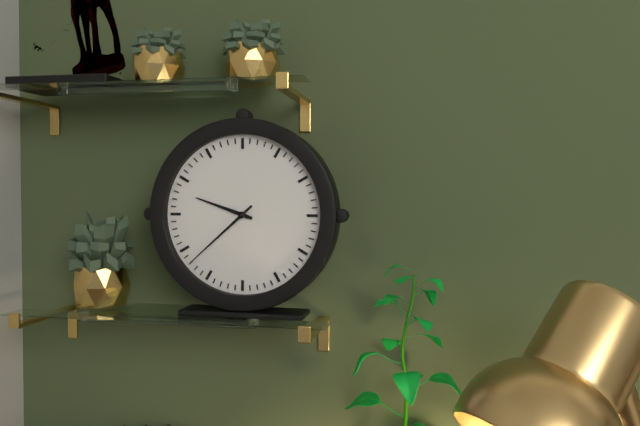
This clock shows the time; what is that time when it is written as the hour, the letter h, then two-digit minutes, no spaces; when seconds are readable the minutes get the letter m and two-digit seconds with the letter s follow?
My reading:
9h38
